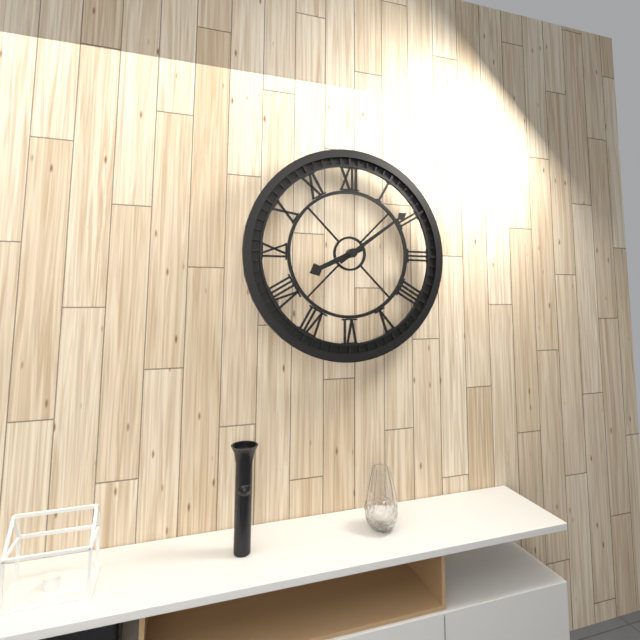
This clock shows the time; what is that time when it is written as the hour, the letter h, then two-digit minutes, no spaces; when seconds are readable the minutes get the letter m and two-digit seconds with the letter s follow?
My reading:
8h09
